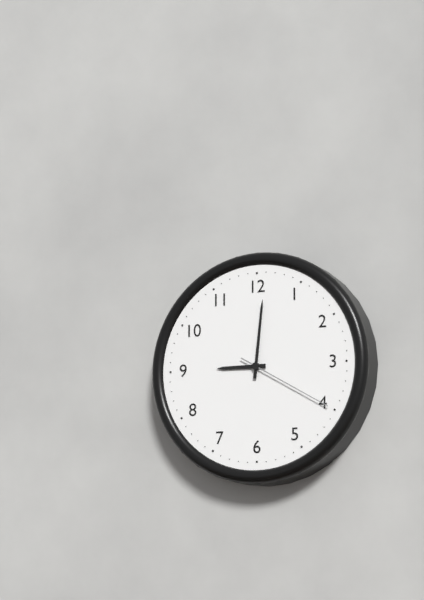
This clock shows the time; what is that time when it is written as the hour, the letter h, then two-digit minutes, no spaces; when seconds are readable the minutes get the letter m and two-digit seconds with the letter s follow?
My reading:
9h01m20s
